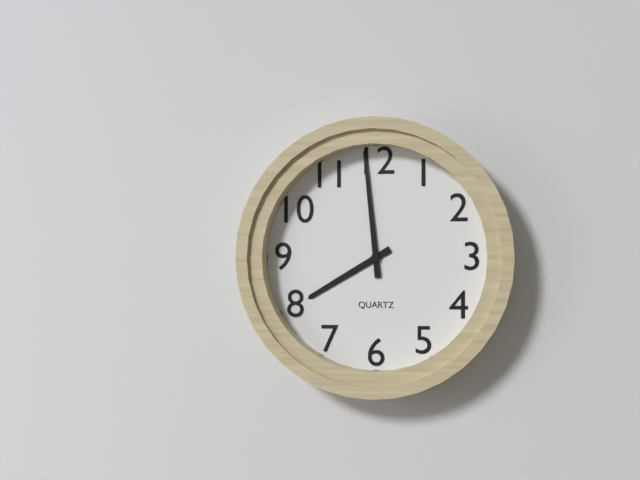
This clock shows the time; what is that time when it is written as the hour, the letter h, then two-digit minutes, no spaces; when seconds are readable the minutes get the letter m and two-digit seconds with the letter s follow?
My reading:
7h59
